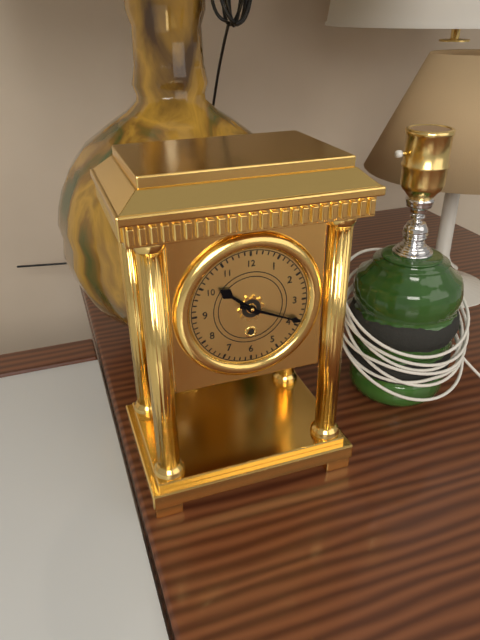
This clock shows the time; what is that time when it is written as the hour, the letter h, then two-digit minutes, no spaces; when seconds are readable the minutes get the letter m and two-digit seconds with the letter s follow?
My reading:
10h19
